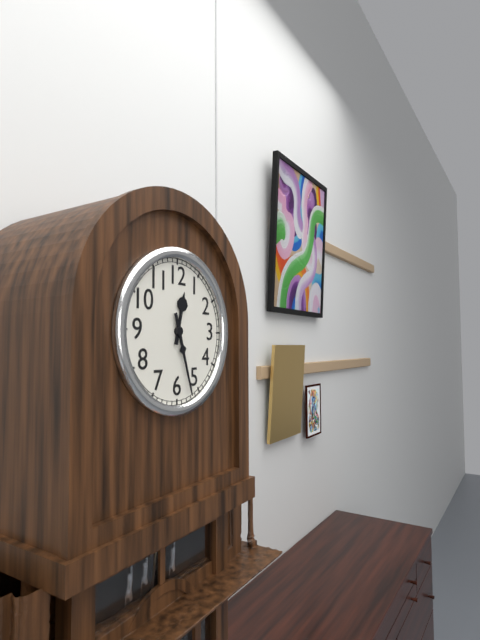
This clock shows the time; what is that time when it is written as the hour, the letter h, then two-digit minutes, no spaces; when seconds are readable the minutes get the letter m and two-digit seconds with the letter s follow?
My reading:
12h27
